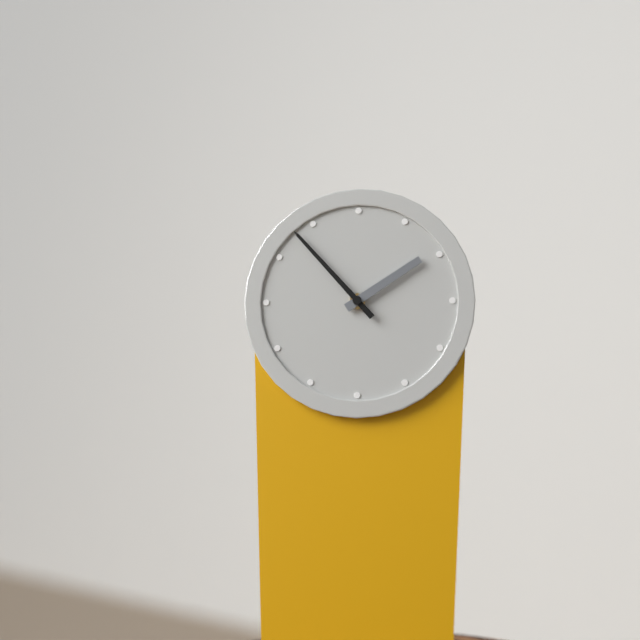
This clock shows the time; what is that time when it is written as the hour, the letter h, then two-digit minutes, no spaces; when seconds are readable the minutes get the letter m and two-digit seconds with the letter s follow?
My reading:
1h53
